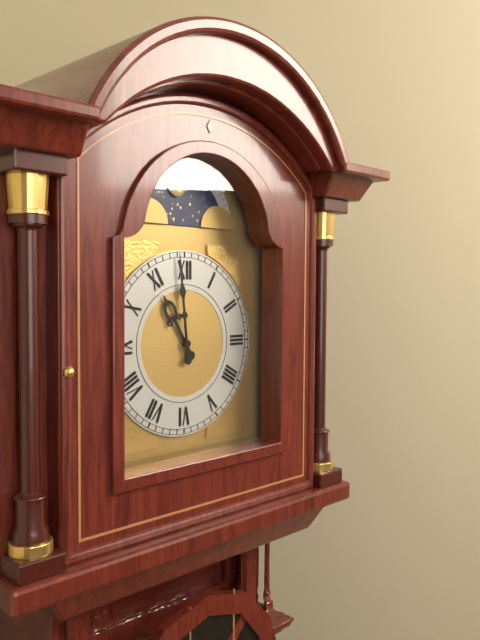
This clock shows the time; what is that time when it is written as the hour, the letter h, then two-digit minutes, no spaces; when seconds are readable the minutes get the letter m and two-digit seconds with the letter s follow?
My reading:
10h59
